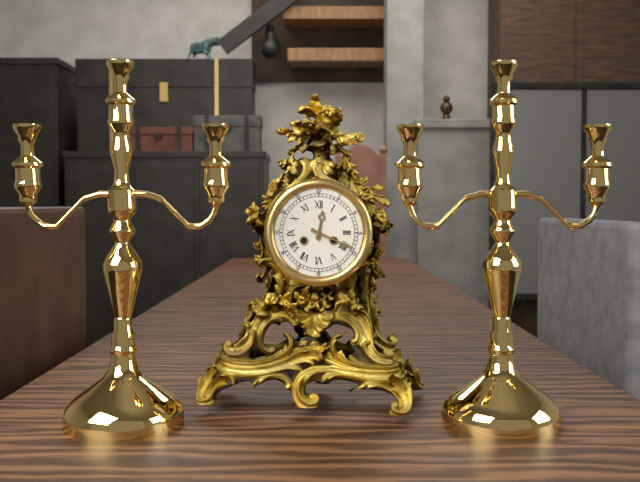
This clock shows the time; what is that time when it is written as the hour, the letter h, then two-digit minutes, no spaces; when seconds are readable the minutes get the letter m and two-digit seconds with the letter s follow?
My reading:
12h19
